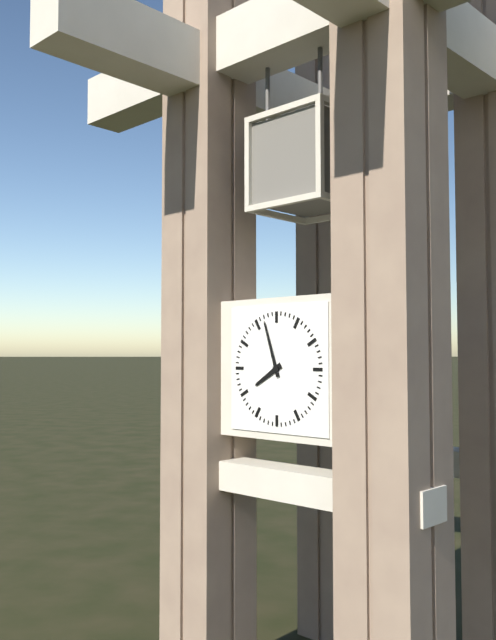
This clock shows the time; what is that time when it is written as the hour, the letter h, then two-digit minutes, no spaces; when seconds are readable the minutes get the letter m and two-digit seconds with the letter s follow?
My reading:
7h57
